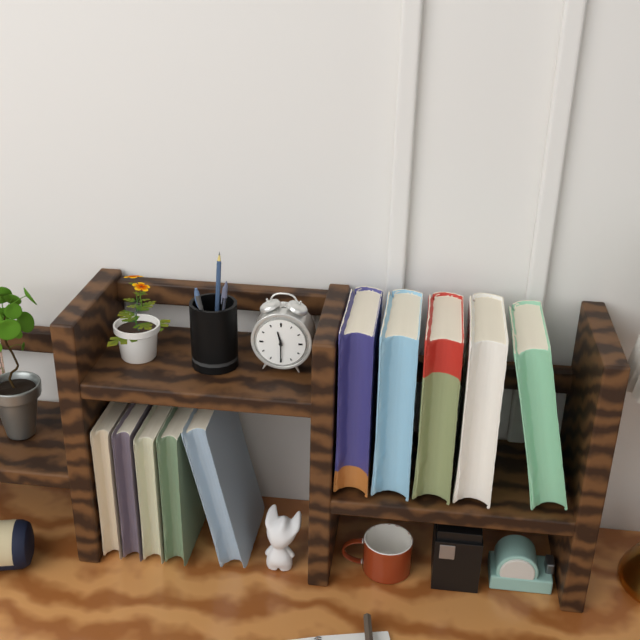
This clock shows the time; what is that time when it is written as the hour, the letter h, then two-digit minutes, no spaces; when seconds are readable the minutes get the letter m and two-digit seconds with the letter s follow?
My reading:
11h30
